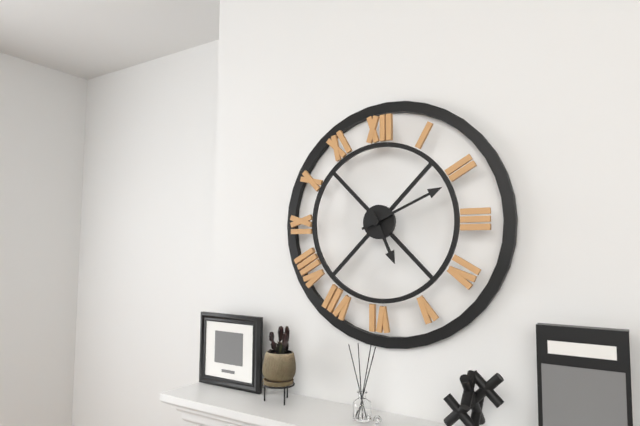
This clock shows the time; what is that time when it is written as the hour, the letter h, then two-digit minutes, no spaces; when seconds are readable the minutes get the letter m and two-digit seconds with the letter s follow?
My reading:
5h11
